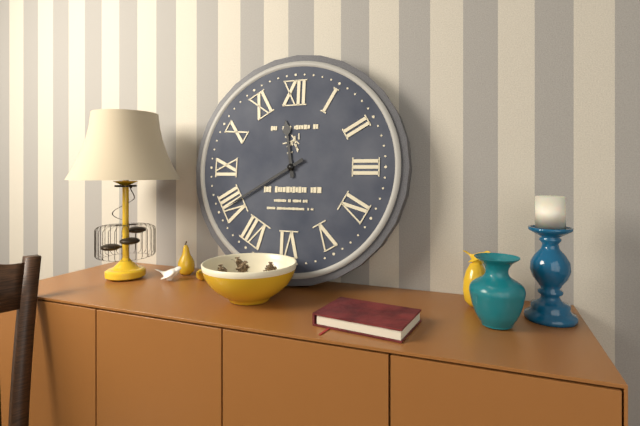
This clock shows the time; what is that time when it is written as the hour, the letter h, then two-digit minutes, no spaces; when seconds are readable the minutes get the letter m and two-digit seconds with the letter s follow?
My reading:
11h40
